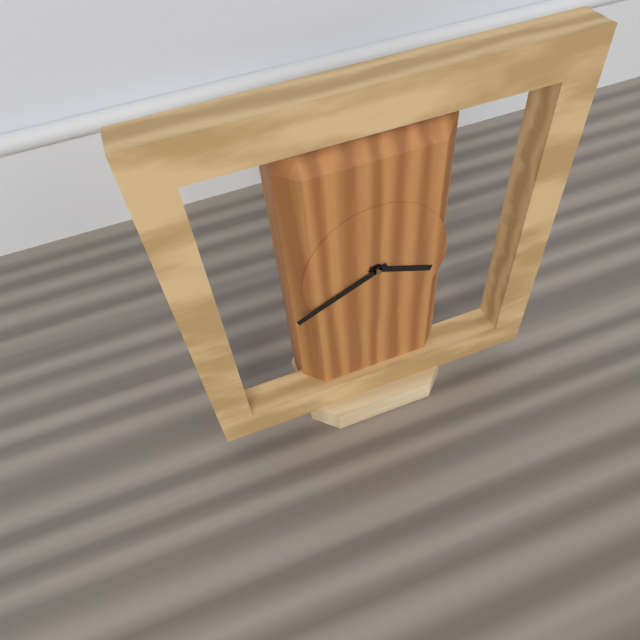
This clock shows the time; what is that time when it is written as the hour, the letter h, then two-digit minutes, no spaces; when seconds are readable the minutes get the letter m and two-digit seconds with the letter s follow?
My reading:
3h41
